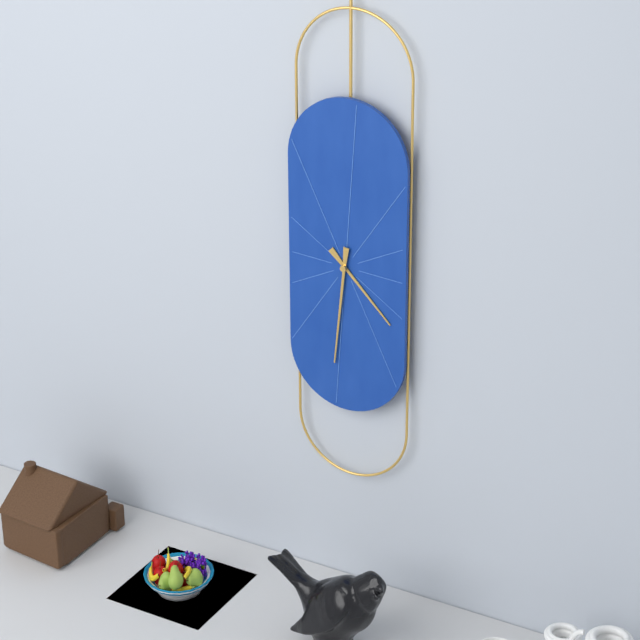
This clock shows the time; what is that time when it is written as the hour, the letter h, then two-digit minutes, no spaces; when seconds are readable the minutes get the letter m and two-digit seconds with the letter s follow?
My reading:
4h31
